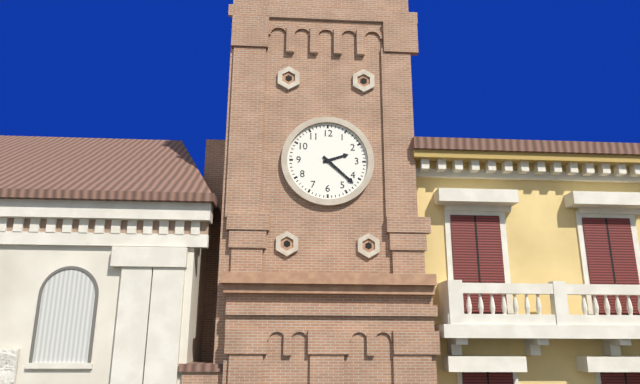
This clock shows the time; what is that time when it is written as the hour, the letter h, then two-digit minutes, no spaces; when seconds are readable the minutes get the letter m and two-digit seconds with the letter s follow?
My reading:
2h22
